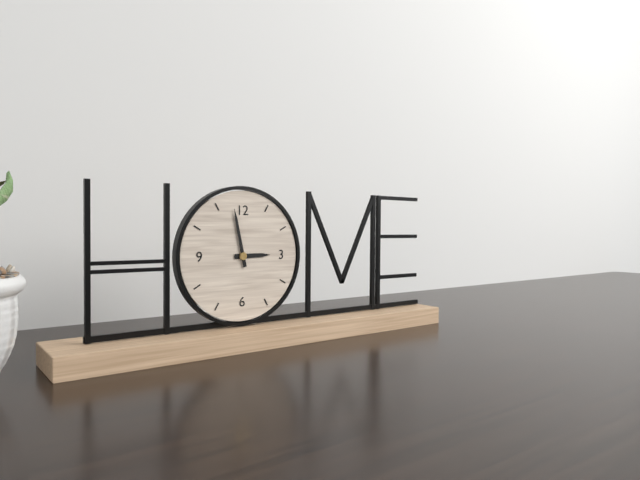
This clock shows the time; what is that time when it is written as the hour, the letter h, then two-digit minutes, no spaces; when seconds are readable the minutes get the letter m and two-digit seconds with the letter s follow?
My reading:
2h58
